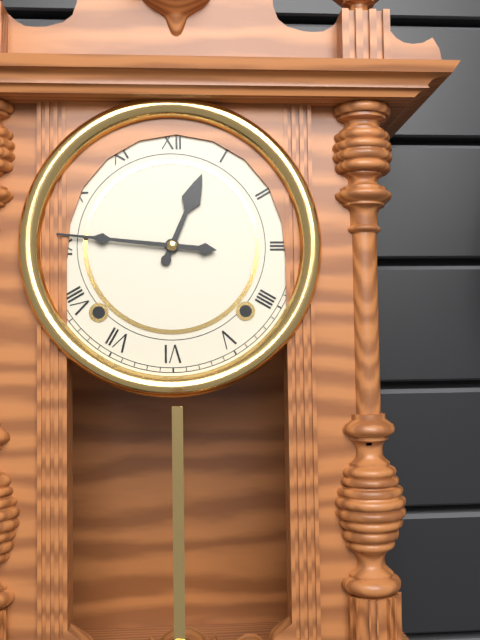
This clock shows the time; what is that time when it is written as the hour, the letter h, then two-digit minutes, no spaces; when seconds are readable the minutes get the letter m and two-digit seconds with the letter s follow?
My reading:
12h46
